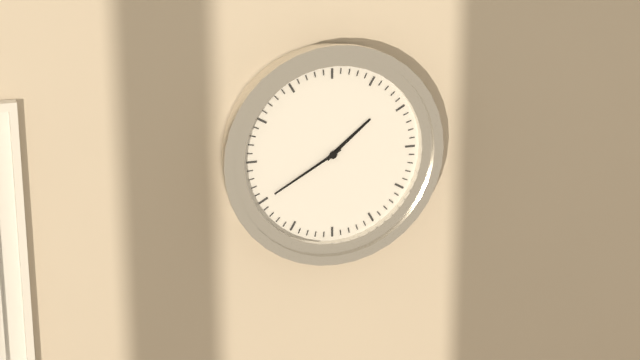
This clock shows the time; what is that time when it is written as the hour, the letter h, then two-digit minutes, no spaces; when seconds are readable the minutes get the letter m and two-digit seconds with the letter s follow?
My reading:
1h40
